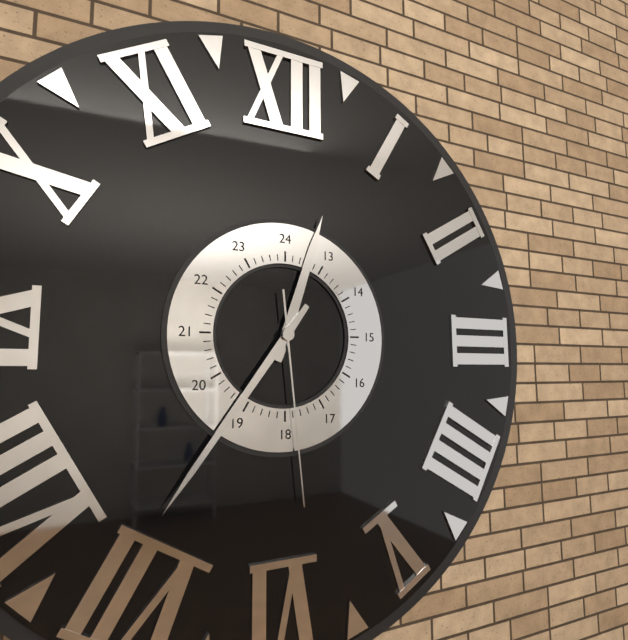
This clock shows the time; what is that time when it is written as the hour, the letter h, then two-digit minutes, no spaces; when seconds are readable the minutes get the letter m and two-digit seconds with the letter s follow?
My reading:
12h36m29s
